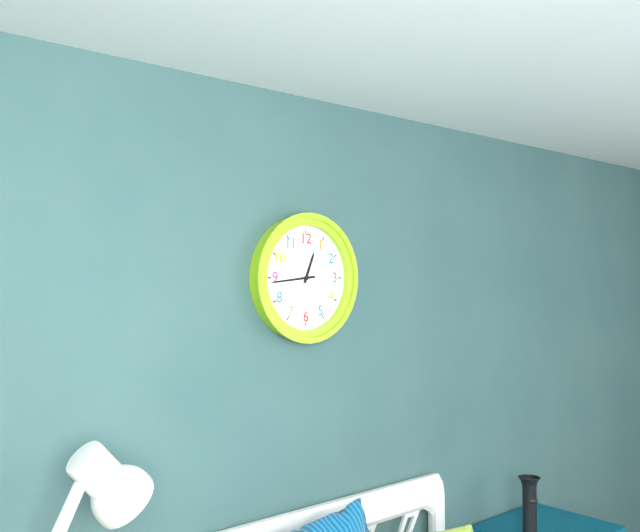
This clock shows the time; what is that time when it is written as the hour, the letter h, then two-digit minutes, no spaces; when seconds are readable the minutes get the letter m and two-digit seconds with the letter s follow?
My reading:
12h44
